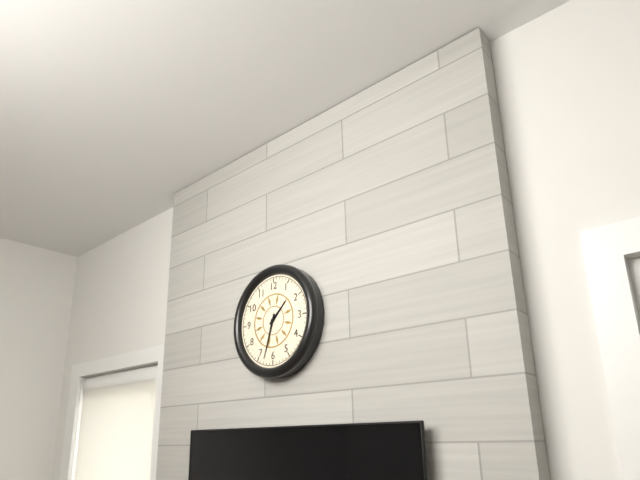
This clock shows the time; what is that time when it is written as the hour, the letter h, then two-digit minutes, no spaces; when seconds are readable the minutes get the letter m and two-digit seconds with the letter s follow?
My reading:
1h33
